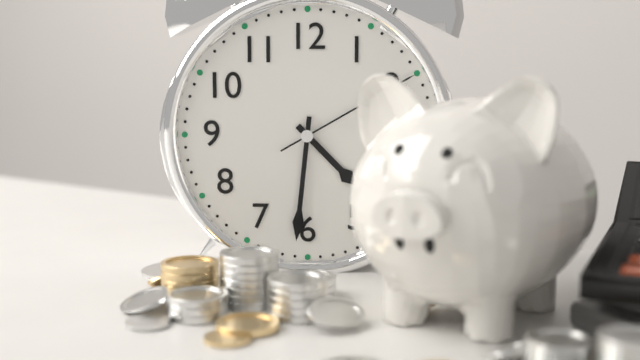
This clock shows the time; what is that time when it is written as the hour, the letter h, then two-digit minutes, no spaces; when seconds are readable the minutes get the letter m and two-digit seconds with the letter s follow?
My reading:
4h31
